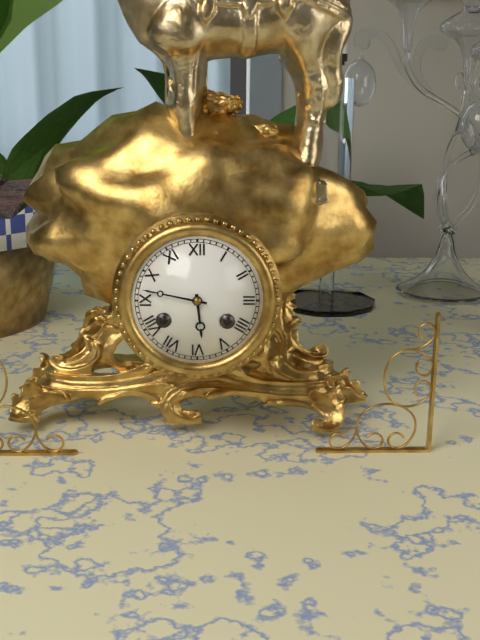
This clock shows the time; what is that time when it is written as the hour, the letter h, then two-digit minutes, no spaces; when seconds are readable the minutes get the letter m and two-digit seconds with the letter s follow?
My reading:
5h47
